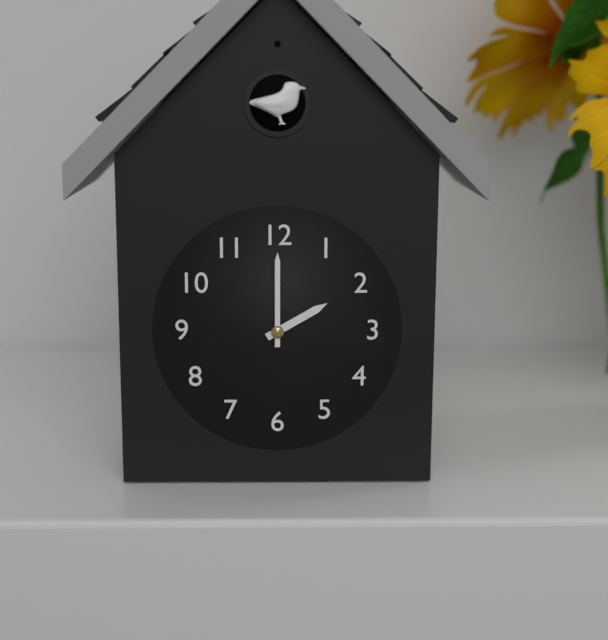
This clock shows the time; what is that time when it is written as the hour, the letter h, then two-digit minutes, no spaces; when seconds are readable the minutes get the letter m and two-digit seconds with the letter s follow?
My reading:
2h00
